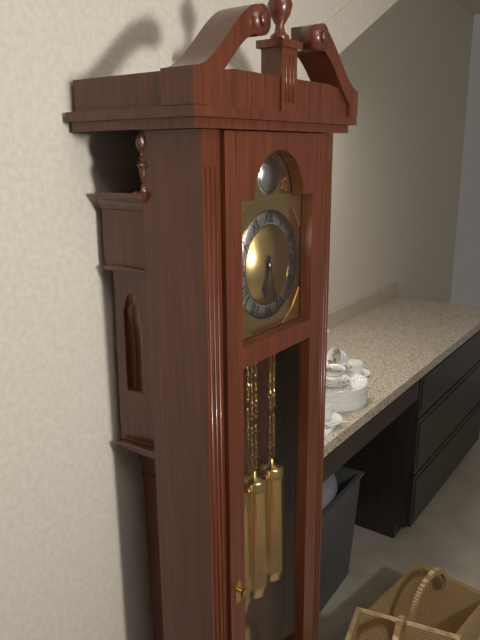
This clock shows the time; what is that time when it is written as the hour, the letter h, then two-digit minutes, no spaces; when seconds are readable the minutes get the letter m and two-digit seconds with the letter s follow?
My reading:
6h27
